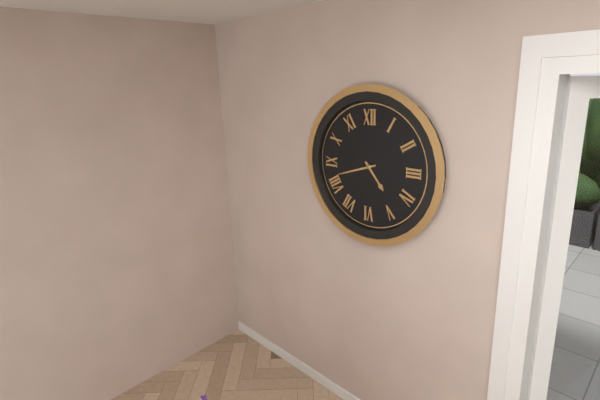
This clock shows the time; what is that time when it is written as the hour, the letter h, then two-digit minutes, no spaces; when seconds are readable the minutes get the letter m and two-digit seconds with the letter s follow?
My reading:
4h42
